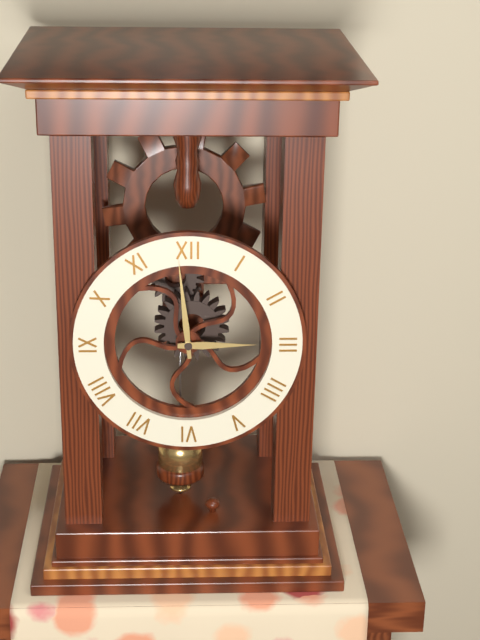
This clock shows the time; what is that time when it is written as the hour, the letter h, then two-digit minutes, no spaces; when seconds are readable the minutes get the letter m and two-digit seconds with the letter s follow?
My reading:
2h59
